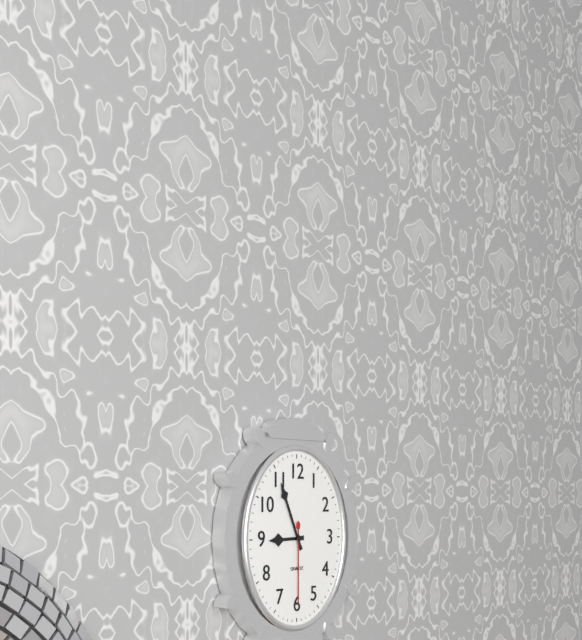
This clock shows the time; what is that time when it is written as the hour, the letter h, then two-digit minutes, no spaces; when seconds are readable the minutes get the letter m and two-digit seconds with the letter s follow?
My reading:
8h56m30s
